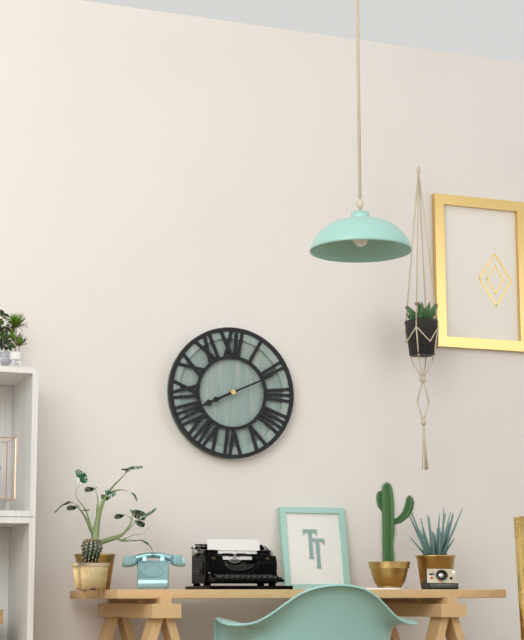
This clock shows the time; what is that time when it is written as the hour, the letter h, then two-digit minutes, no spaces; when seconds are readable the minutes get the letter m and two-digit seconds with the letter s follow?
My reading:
8h11
